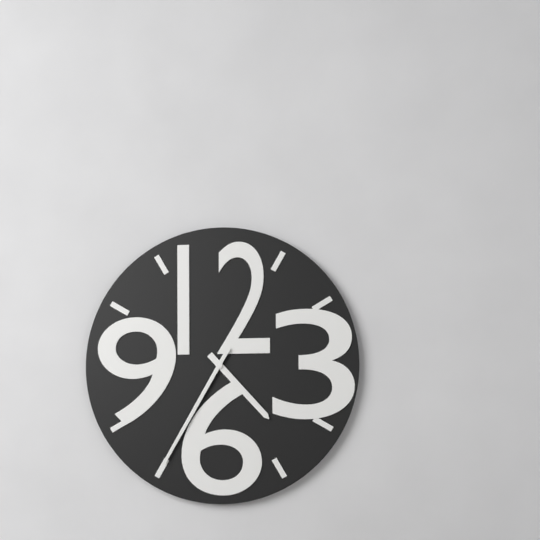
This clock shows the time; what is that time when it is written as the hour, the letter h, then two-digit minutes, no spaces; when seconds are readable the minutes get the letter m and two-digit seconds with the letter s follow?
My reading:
4h35
